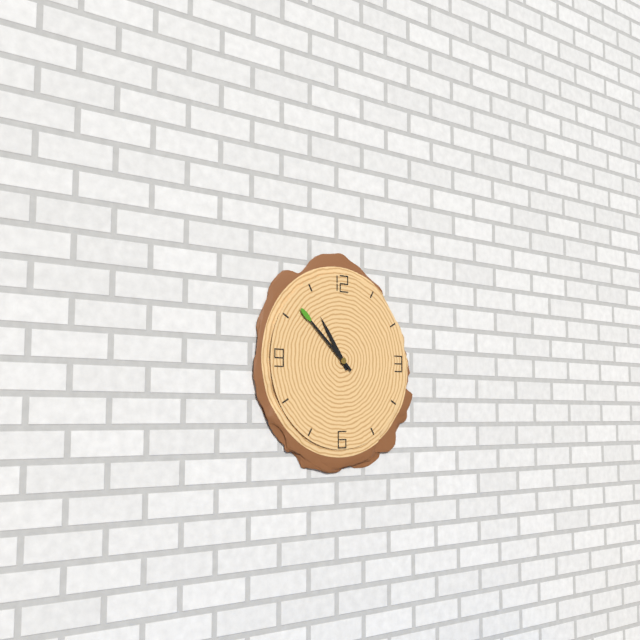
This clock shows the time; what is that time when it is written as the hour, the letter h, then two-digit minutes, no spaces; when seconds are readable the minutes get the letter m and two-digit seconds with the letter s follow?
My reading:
10h52
